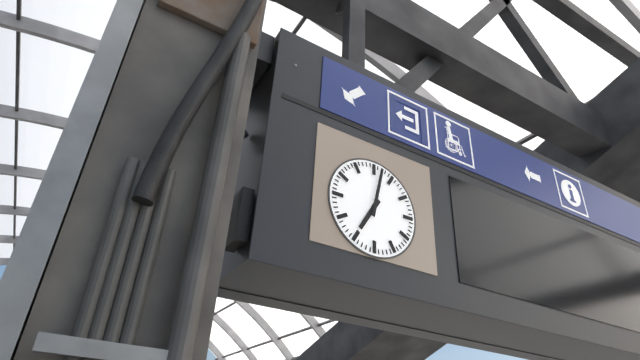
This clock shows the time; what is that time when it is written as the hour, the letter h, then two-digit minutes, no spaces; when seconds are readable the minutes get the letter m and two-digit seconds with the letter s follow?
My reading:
7h02
